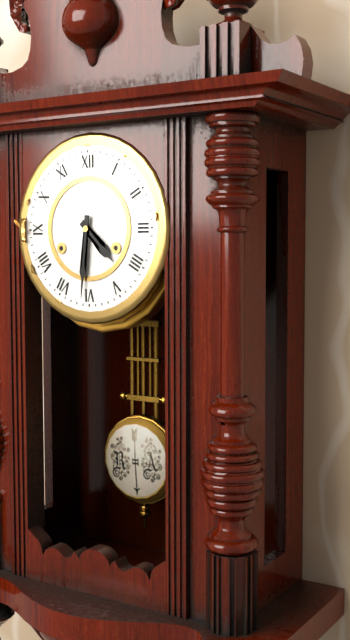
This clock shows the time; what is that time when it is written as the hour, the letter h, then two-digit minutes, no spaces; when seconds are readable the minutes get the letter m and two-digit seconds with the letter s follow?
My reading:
4h31
